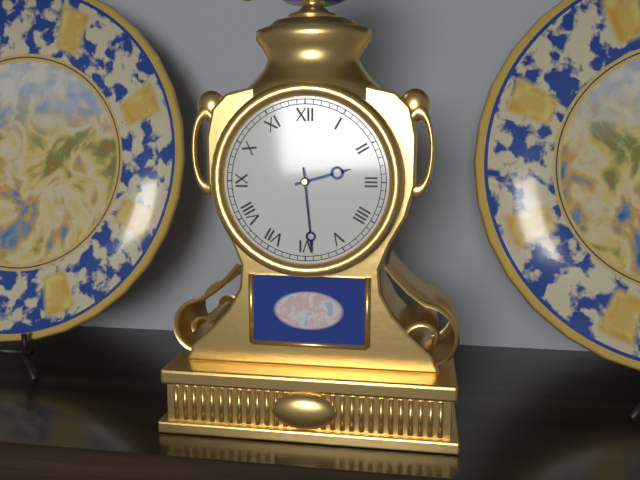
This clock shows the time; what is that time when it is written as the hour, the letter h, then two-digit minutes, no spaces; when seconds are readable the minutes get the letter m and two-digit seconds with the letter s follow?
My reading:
2h29
